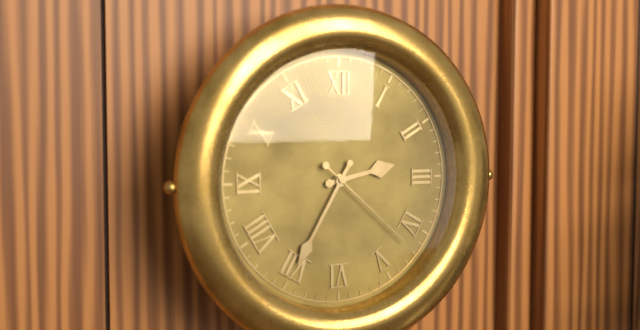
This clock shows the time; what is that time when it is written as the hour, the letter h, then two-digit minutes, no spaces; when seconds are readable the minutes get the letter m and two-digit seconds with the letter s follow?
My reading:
2h35m22s
